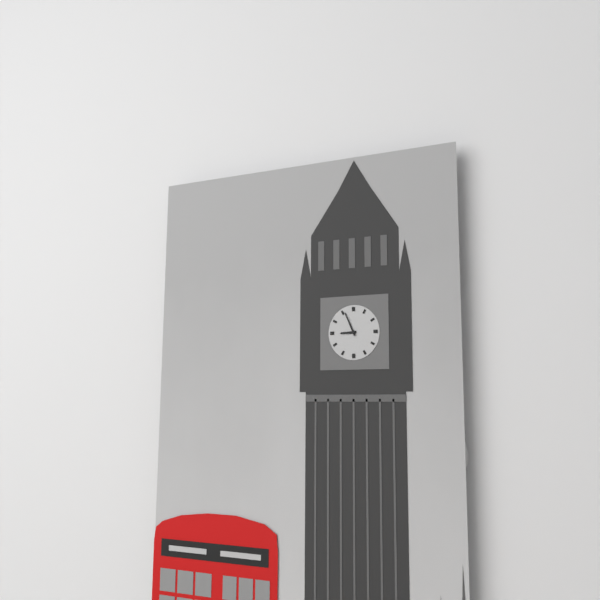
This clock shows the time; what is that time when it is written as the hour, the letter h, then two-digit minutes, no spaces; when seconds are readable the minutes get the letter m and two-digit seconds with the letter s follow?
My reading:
8h56
